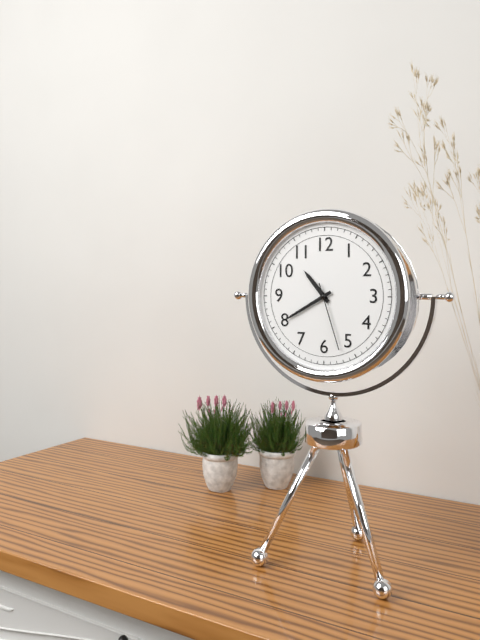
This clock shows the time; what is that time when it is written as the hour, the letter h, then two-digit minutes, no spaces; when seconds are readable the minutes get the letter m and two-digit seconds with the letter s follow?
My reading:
10h40m27s
